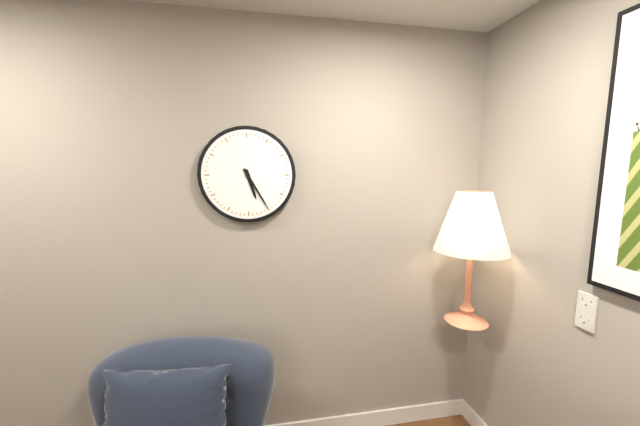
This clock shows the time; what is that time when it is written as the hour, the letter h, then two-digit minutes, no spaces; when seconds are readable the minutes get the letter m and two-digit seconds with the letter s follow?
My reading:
5h25
